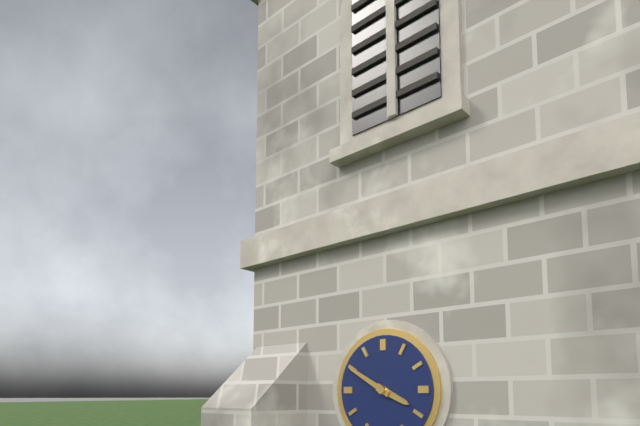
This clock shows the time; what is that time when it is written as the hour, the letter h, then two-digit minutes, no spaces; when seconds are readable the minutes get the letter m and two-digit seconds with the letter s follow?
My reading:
3h50
